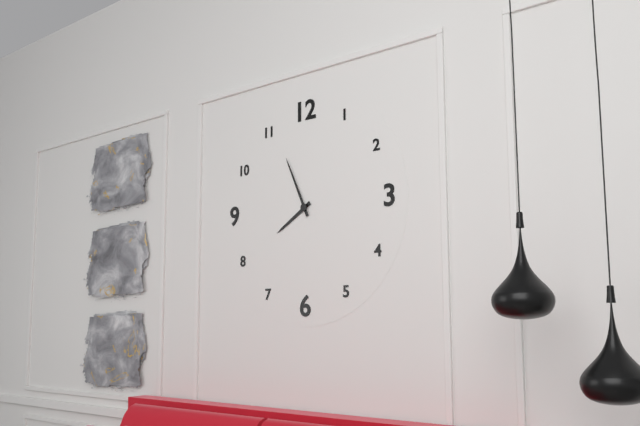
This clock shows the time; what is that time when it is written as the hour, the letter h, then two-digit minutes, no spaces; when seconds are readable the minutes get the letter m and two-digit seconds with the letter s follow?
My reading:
7h56
